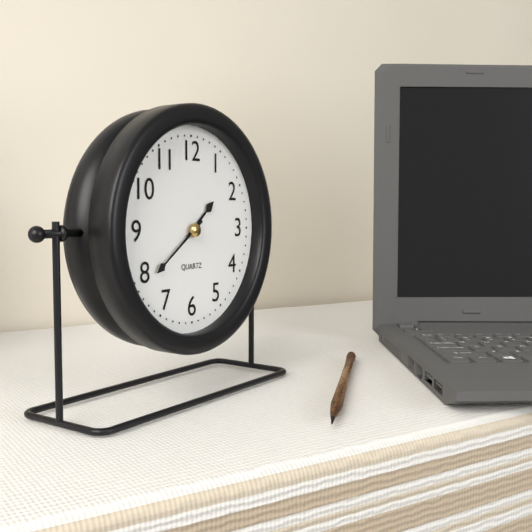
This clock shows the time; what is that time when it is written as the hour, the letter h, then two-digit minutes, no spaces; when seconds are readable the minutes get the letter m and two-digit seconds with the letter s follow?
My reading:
1h39
